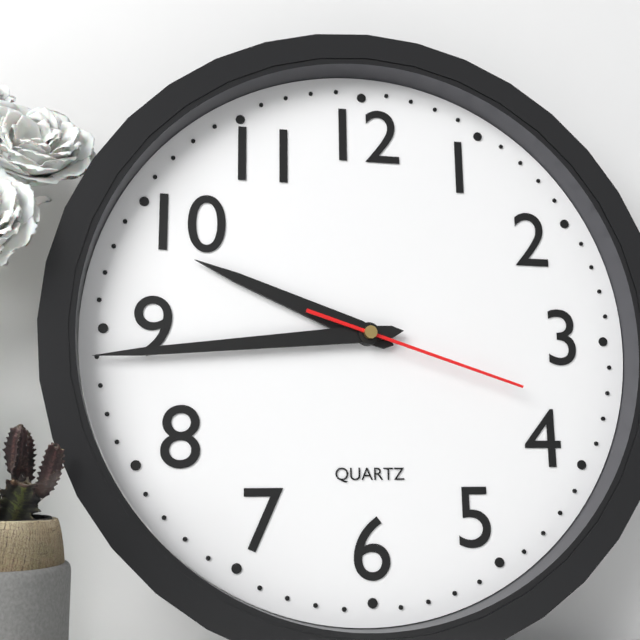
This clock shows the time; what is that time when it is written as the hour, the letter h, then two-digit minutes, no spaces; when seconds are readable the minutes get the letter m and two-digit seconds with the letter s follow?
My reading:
9h44m18s
